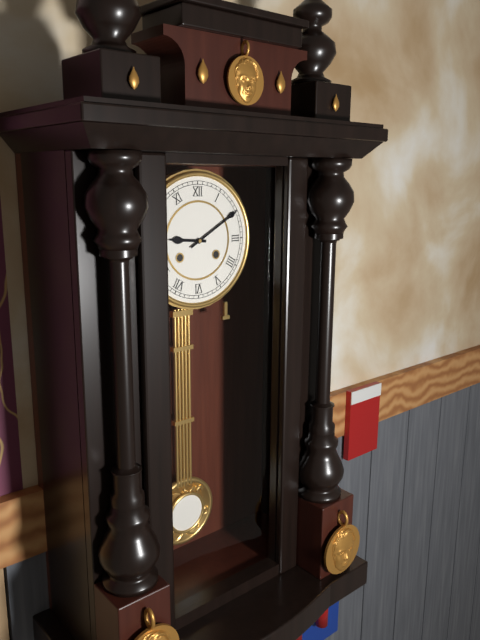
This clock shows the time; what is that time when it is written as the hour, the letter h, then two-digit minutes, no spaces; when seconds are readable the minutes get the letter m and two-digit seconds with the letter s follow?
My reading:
9h10
